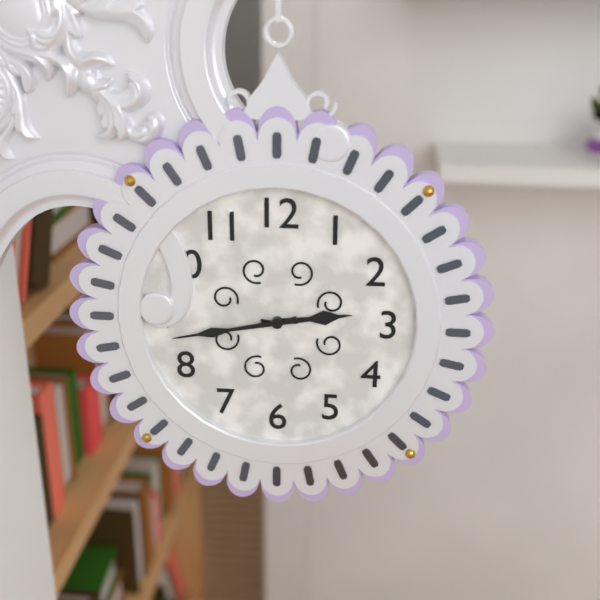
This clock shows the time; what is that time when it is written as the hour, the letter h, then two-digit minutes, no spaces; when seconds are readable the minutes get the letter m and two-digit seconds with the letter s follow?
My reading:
2h43
